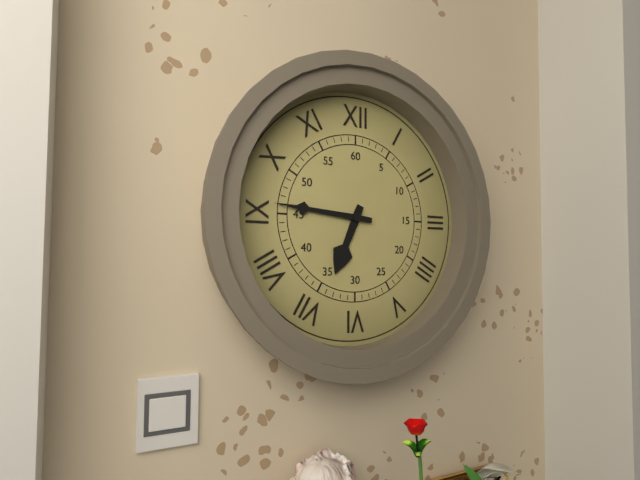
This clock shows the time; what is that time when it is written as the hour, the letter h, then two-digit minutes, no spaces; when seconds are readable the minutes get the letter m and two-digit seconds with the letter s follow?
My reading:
6h46
